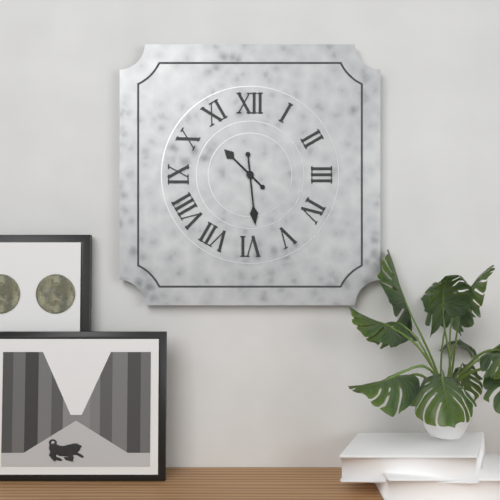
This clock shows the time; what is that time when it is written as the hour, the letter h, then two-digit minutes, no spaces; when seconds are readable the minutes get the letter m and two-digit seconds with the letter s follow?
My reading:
10h29
